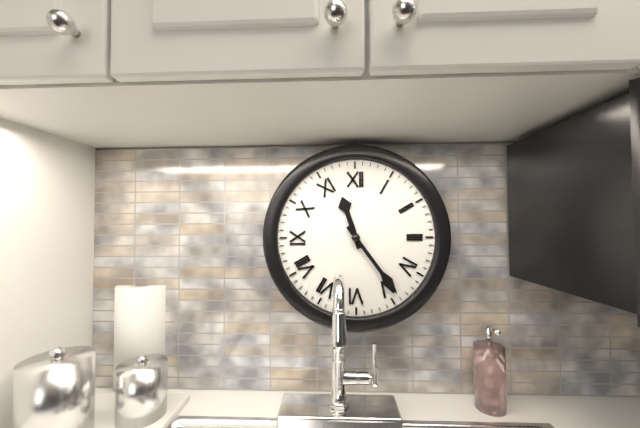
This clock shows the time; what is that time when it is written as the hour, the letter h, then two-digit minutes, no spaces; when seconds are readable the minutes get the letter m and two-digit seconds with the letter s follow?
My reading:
11h24
